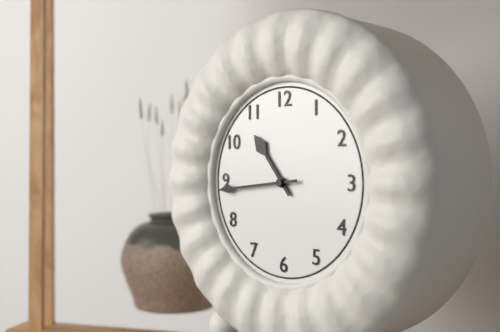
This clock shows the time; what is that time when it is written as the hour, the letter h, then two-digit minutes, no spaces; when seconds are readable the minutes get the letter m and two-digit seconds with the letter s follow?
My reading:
10h44
